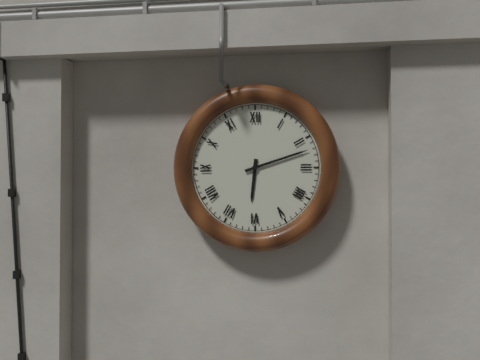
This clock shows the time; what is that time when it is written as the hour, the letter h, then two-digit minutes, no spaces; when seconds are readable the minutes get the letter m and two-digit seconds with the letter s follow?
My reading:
6h12
